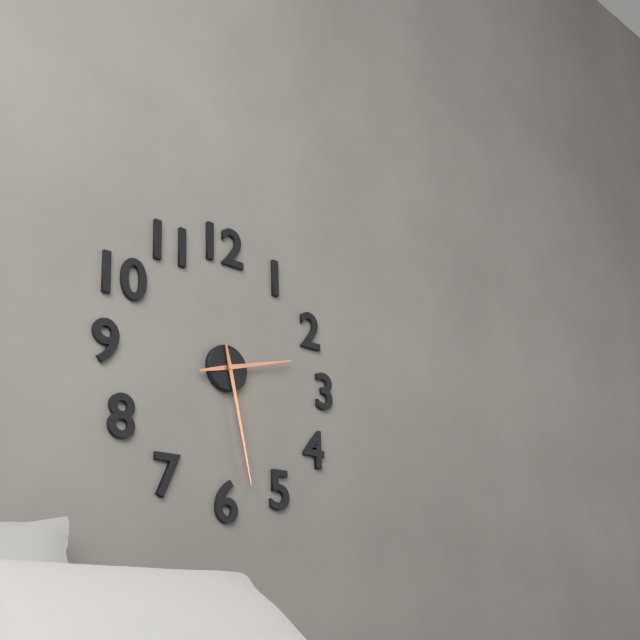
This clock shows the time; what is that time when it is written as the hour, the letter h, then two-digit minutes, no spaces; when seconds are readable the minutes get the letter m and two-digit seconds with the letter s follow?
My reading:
2h28
